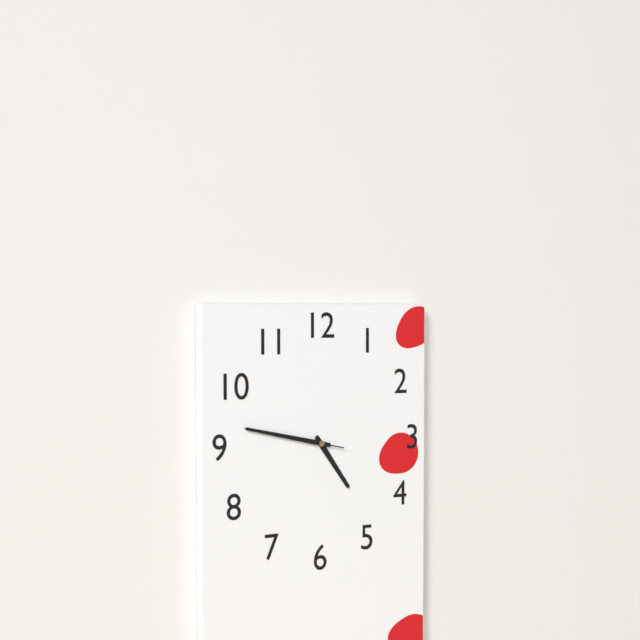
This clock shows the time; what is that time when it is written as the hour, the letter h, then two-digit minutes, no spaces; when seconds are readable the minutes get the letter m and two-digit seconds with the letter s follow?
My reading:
4h47m47s
